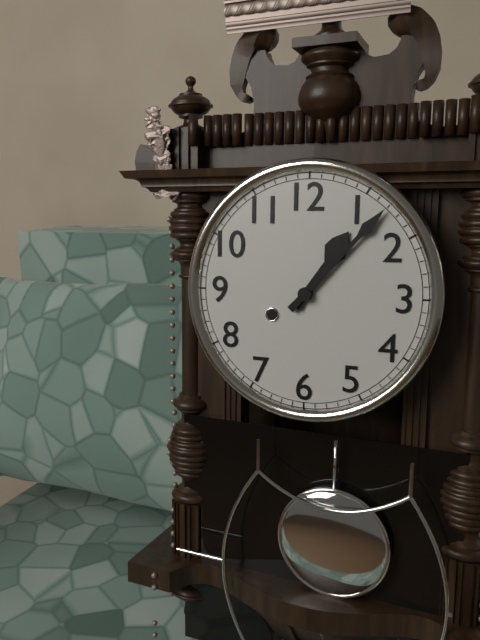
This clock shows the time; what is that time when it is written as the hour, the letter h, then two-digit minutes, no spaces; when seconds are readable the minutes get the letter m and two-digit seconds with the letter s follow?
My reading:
1h07
